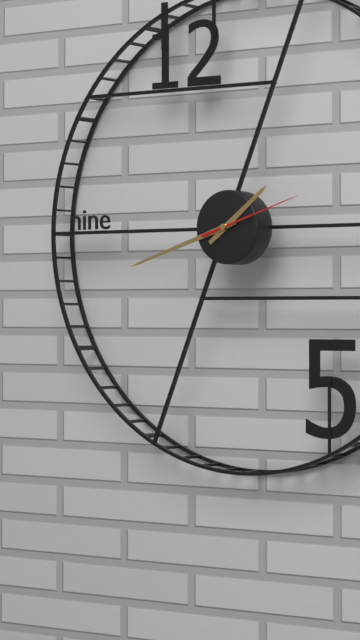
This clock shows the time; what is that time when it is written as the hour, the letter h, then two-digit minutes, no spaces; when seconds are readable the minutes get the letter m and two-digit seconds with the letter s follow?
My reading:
1h42m12s
